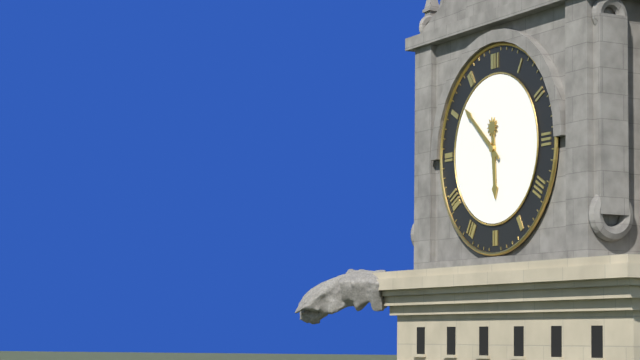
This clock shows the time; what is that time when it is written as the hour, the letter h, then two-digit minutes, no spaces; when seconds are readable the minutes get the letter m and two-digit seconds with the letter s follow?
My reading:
5h52
